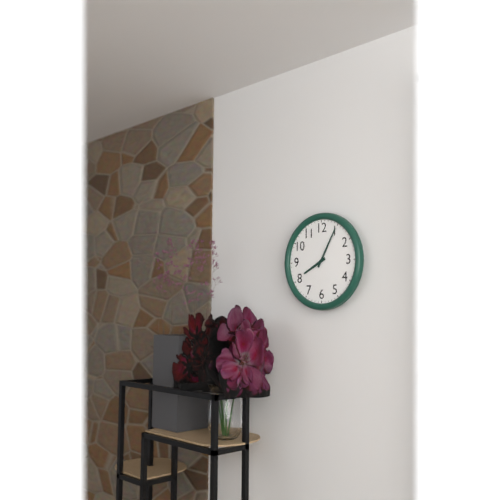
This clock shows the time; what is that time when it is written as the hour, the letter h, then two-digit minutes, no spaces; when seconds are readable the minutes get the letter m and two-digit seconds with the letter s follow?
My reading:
8h05
